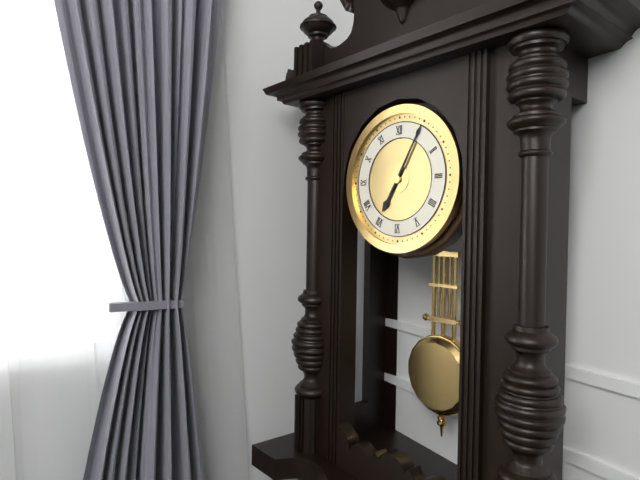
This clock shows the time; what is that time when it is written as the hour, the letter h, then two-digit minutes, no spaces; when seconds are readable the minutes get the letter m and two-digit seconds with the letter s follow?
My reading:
7h05
